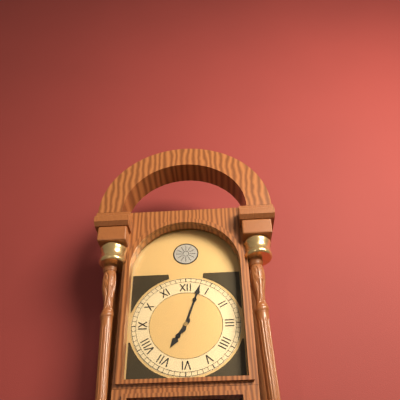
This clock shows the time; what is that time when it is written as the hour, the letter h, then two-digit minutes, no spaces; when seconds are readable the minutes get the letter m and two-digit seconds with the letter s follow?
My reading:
7h03
